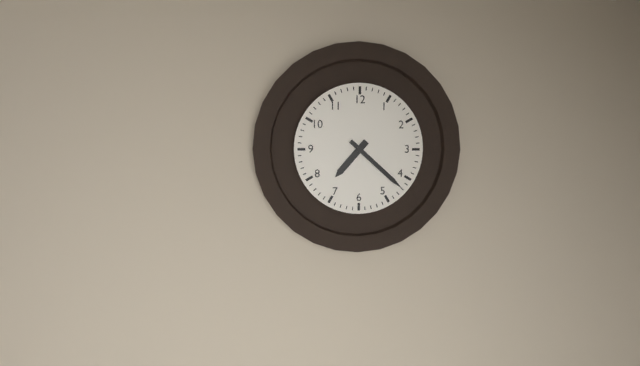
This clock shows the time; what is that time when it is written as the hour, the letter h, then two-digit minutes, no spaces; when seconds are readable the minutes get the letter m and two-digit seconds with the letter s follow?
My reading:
7h22
